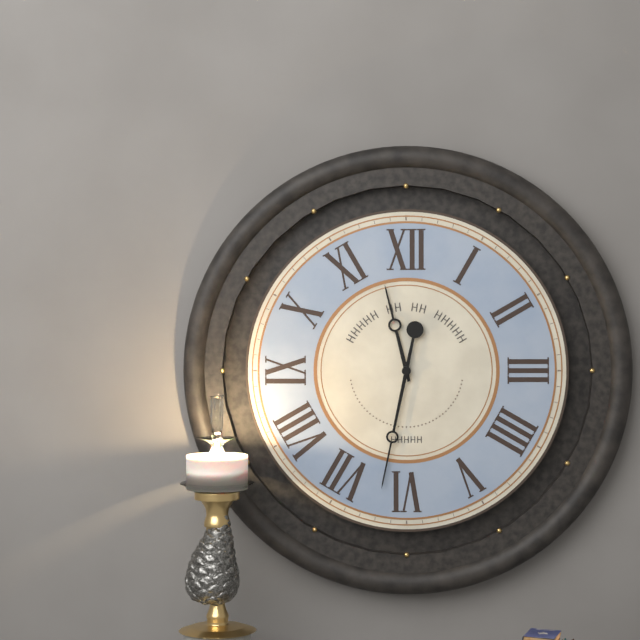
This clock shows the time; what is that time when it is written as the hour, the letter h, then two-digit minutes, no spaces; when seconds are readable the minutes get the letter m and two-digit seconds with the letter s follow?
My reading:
11h32
